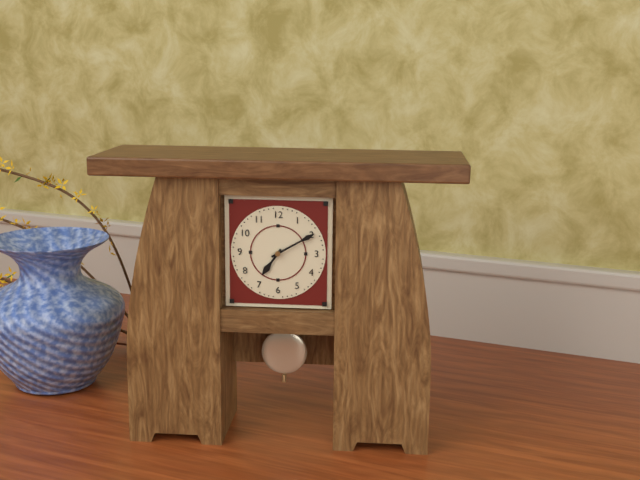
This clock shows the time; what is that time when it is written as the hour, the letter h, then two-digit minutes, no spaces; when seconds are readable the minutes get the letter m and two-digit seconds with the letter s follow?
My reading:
7h10
